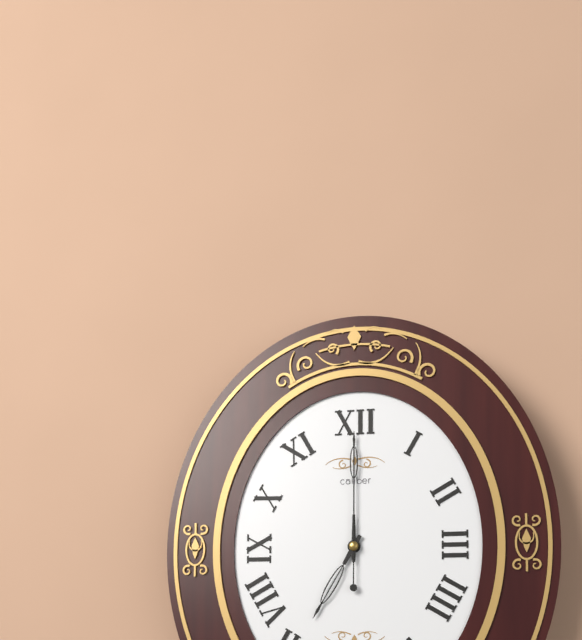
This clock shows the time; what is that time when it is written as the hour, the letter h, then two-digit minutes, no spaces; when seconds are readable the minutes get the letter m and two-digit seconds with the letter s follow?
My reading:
7h00m00s
